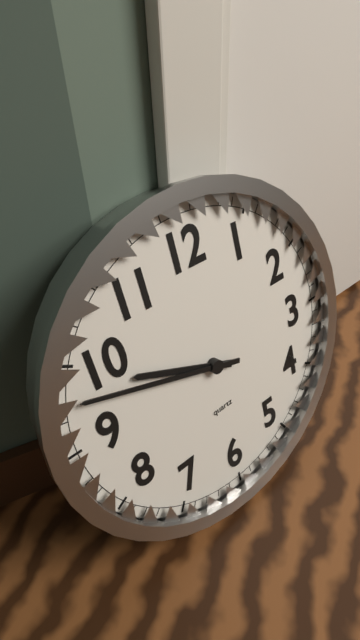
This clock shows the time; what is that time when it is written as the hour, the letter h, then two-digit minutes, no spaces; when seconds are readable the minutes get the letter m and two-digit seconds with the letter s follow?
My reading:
9h48
